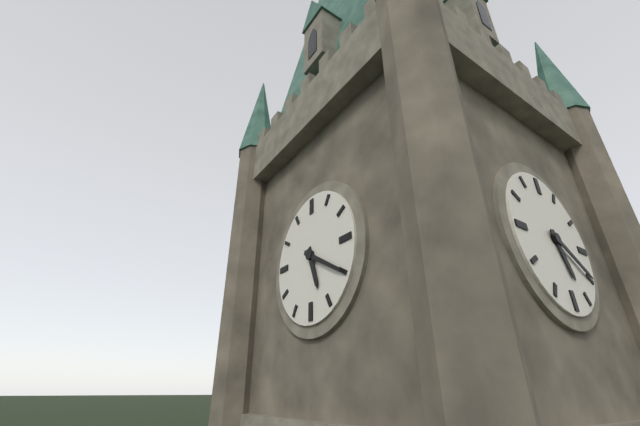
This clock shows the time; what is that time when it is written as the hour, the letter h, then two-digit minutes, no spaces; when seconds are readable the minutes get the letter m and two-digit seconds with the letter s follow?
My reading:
5h20
